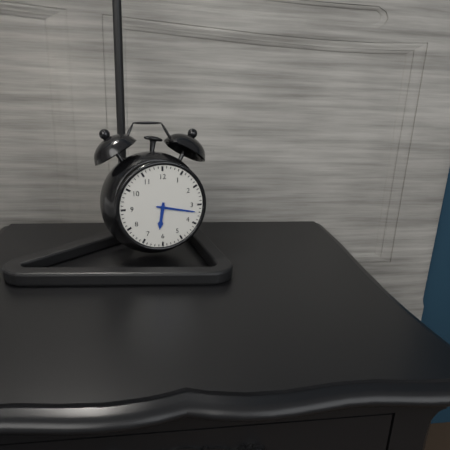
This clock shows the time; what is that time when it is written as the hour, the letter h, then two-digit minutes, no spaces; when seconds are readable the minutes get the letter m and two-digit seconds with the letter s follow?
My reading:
6h17
